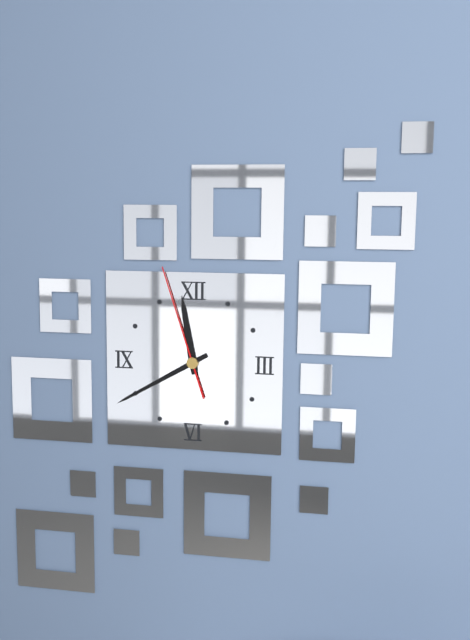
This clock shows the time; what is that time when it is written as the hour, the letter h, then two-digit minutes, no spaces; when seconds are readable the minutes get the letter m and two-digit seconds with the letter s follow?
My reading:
11h40m57s
